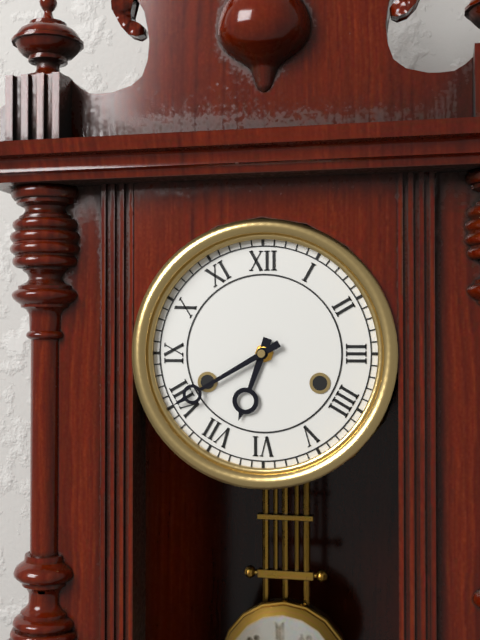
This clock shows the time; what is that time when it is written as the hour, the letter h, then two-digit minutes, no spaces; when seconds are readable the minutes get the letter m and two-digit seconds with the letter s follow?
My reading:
6h40
